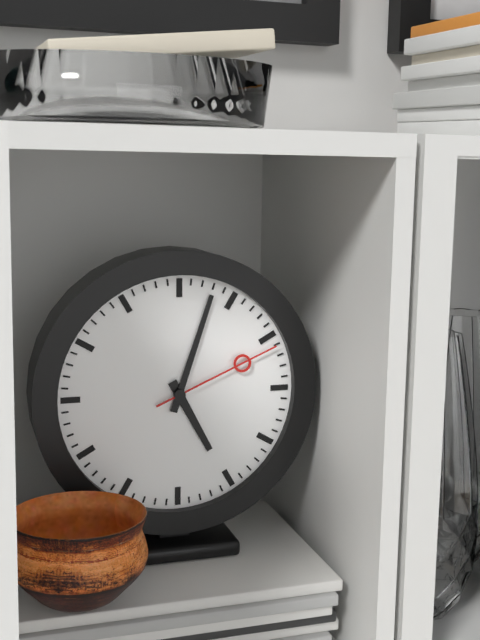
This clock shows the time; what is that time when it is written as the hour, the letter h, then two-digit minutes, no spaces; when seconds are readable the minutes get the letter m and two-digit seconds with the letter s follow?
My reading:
5h03m11s
